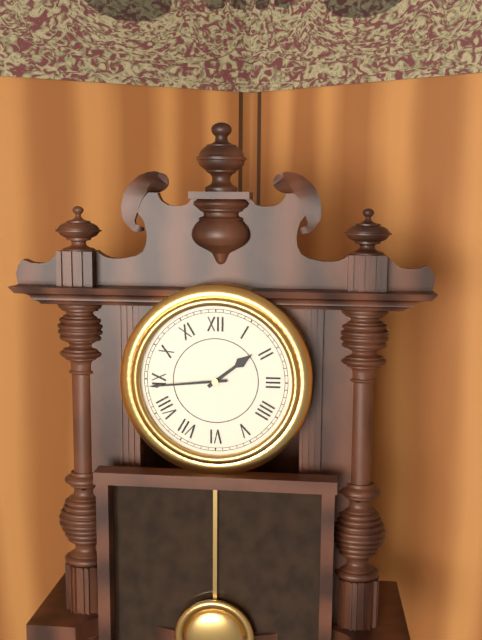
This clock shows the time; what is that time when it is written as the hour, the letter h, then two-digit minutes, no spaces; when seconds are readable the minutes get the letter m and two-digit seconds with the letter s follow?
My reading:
1h44
